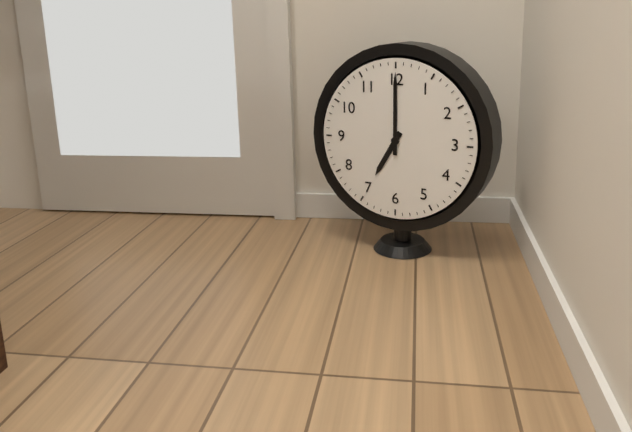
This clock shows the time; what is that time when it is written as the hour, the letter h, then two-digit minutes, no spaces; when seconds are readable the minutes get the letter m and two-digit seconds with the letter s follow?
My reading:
7h00
